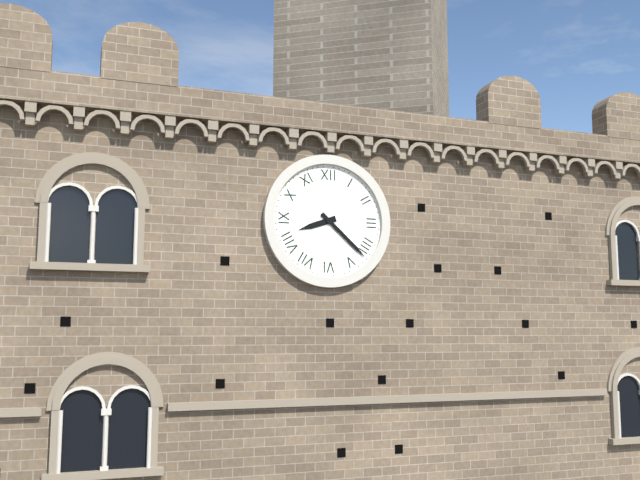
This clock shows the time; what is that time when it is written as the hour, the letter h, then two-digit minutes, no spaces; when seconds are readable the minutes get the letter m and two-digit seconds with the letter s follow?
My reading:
8h22
